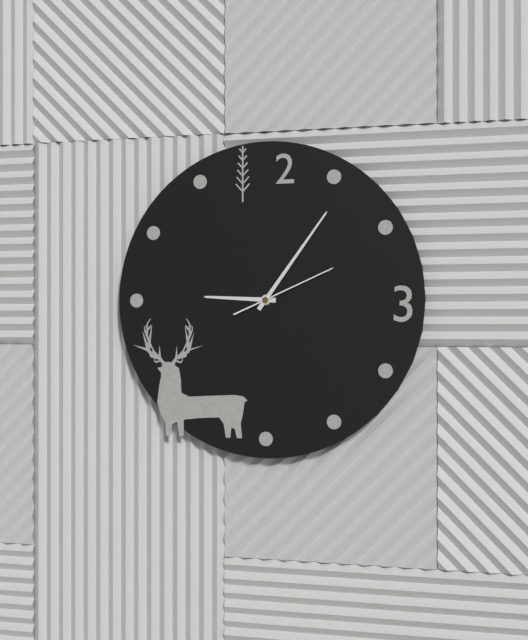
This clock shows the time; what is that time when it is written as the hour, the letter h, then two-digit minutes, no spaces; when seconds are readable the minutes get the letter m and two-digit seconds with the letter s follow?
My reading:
9h06m11s
